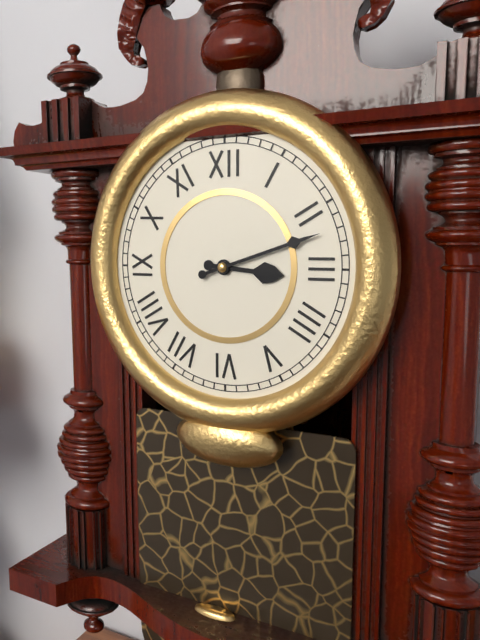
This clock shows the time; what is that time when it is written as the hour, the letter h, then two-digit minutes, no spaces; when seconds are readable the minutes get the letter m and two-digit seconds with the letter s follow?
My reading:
3h12
